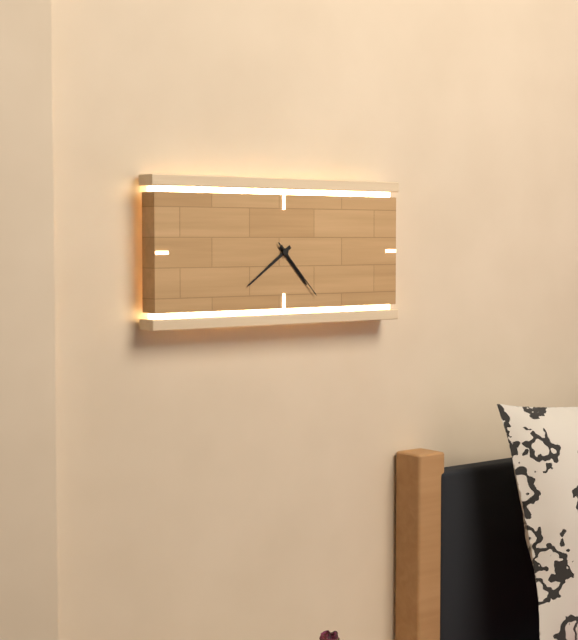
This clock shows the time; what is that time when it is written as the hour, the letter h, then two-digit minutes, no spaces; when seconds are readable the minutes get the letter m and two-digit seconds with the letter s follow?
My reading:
4h39m23s
